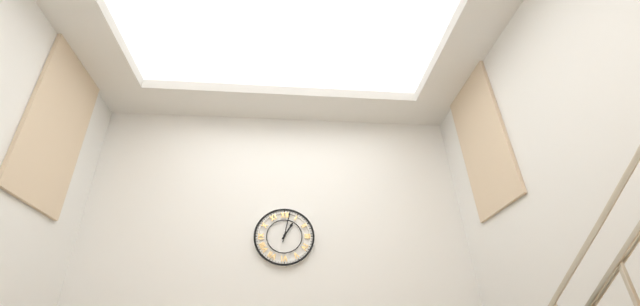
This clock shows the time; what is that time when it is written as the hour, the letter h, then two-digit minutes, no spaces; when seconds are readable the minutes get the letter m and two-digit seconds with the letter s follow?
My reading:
1h02
